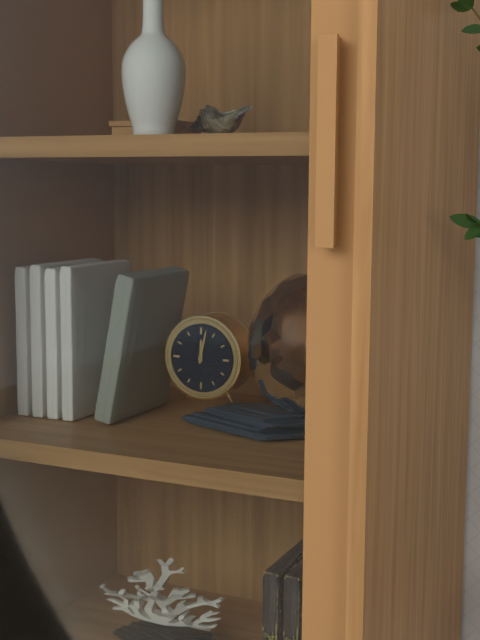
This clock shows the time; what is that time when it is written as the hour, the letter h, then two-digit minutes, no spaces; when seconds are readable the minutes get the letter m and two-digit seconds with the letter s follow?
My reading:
12h02
